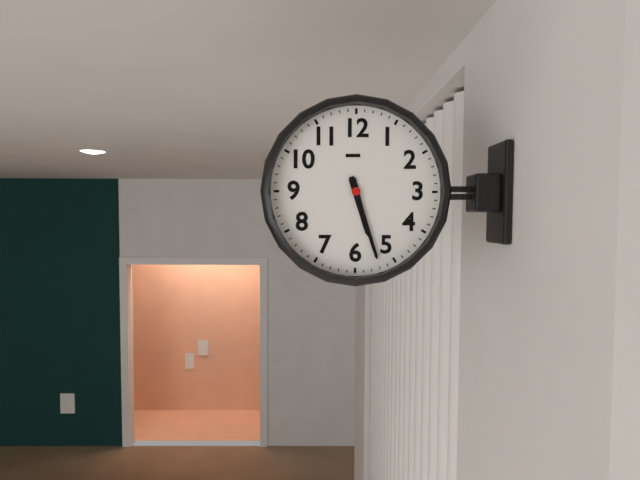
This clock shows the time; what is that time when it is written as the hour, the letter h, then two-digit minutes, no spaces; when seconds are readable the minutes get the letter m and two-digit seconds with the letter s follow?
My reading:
5h27
